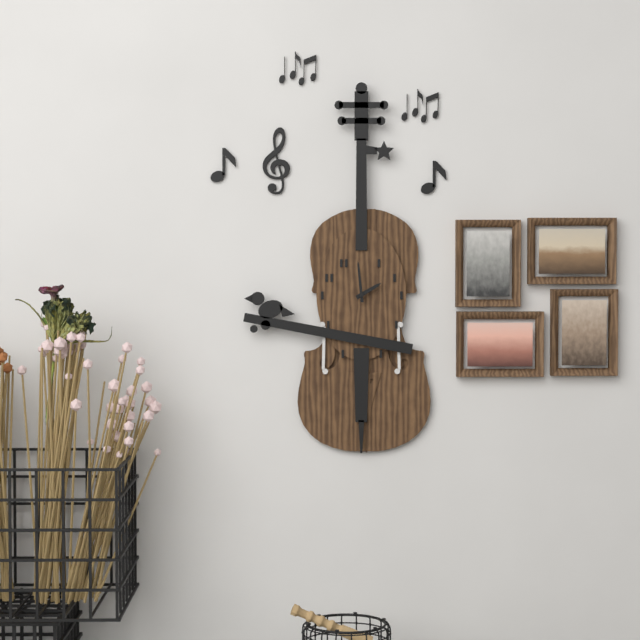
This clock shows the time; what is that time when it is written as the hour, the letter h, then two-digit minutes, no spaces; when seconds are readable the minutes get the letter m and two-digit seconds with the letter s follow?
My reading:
1h59
